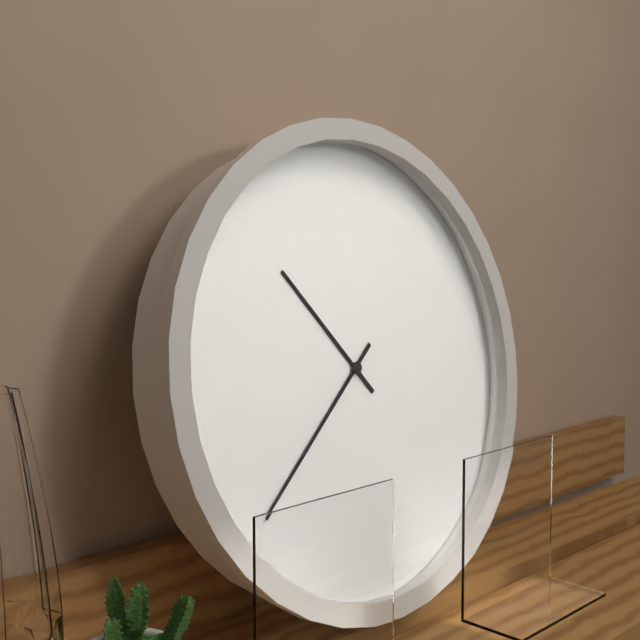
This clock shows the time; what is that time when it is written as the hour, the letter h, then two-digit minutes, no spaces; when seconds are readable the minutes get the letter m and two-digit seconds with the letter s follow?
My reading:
10h38
